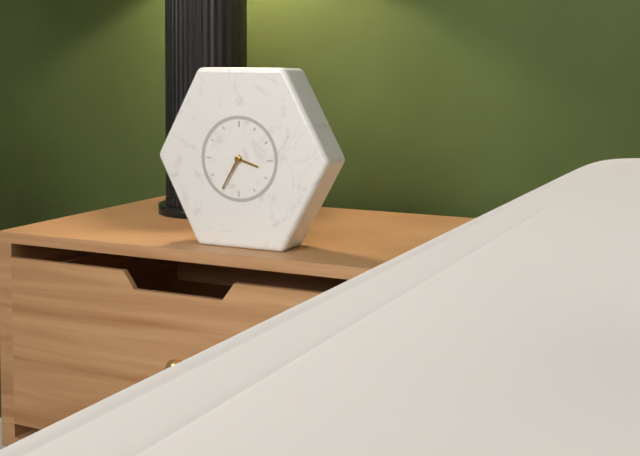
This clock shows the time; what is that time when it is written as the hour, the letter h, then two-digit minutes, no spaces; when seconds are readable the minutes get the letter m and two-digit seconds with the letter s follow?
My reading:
3h35
